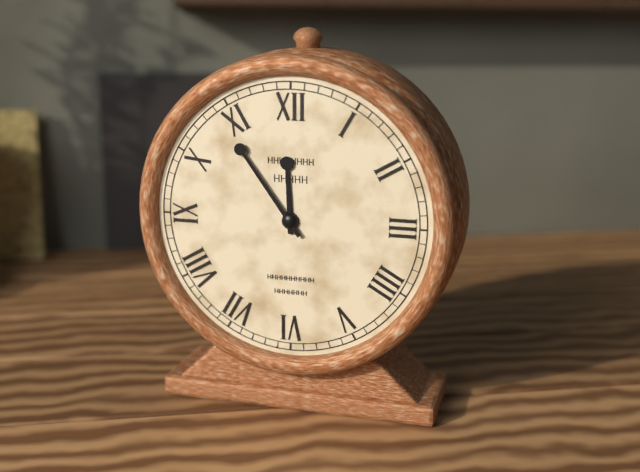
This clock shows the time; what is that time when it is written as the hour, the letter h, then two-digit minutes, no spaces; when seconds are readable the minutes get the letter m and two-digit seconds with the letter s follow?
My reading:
11h54
